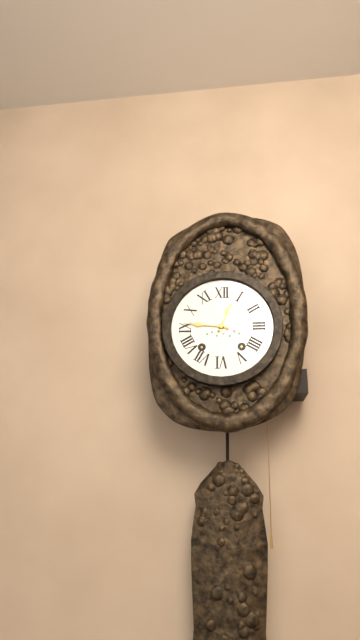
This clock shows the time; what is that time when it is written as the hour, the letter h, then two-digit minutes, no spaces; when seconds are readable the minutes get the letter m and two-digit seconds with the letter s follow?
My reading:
12h46
